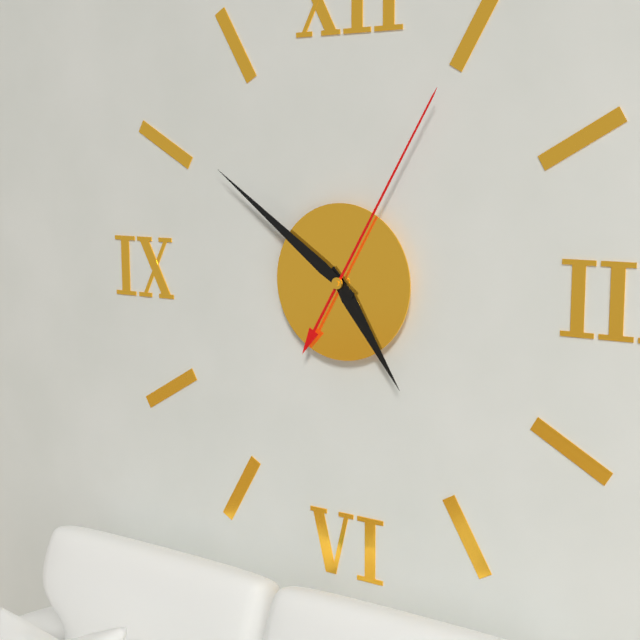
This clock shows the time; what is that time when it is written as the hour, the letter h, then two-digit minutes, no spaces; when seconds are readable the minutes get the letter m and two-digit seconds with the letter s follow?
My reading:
4h51m05s
